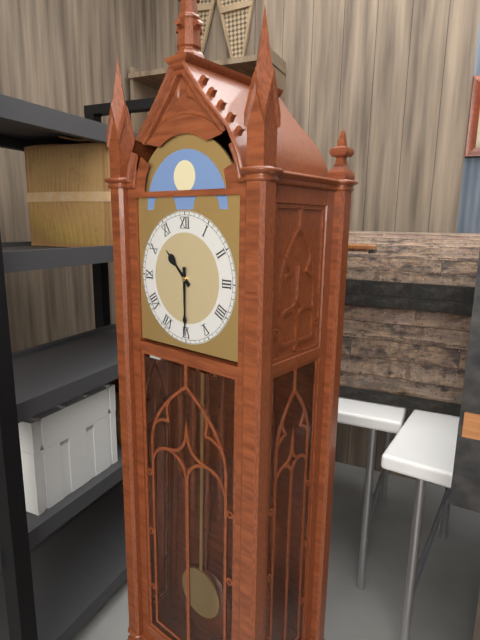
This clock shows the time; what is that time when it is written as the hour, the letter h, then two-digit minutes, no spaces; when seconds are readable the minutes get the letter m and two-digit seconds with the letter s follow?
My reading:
10h30
